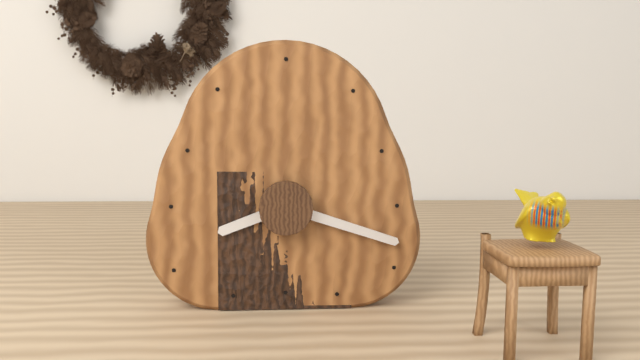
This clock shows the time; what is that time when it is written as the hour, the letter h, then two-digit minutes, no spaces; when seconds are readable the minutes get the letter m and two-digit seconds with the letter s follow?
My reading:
8h18
